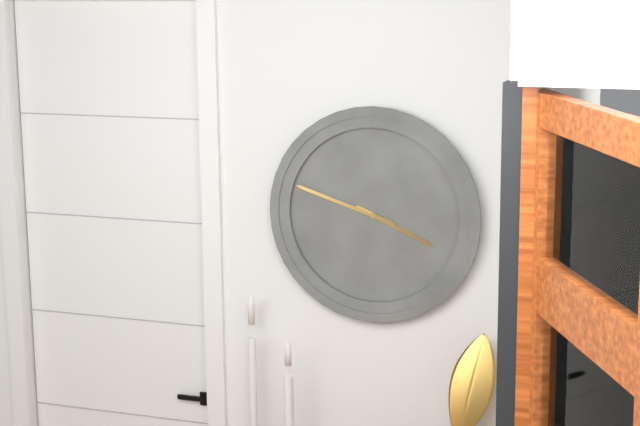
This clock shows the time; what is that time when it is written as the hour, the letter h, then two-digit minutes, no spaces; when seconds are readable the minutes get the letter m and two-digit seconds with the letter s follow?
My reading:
3h48
